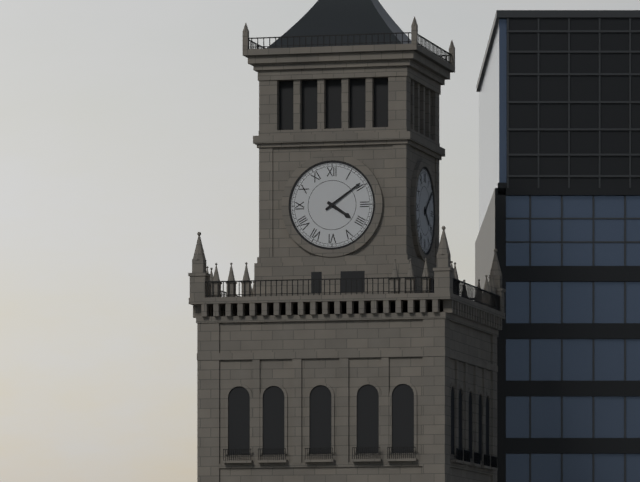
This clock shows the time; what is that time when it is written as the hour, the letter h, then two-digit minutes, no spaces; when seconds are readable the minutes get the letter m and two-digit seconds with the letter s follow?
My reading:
4h09
